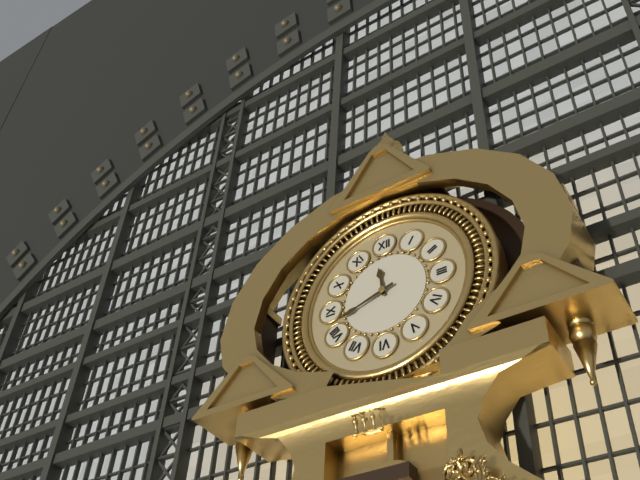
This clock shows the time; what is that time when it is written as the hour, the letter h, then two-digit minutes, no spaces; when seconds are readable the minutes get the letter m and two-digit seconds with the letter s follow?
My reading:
11h42
